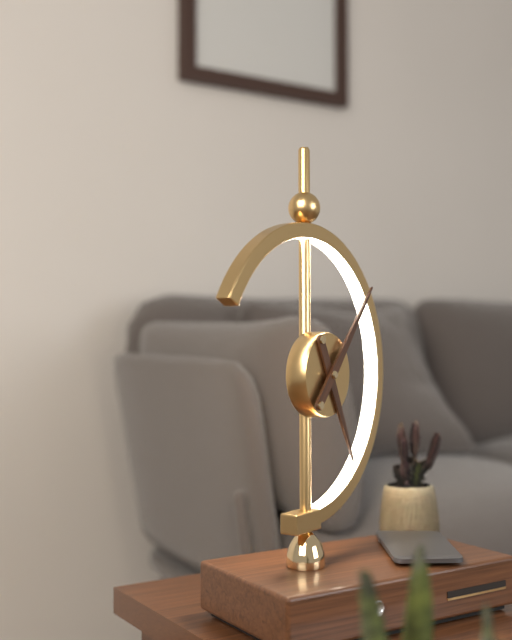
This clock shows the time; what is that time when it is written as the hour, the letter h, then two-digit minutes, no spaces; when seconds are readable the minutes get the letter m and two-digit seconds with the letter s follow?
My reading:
5h07
